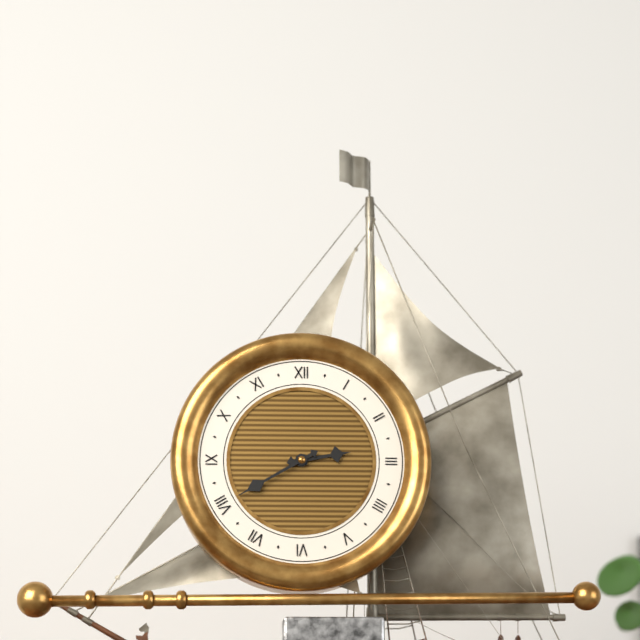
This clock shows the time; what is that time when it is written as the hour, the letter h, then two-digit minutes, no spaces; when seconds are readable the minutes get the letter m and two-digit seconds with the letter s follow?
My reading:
2h40
